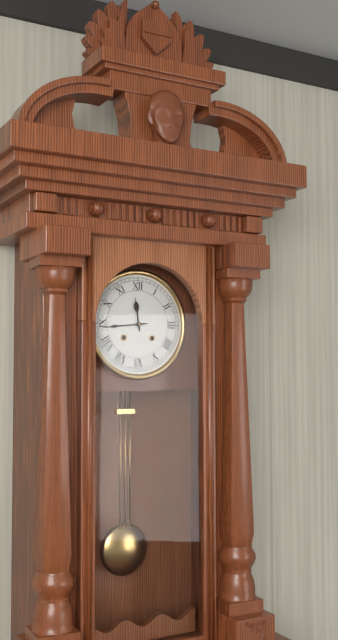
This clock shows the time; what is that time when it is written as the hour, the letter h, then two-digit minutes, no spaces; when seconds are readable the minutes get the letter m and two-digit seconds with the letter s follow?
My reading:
11h44
